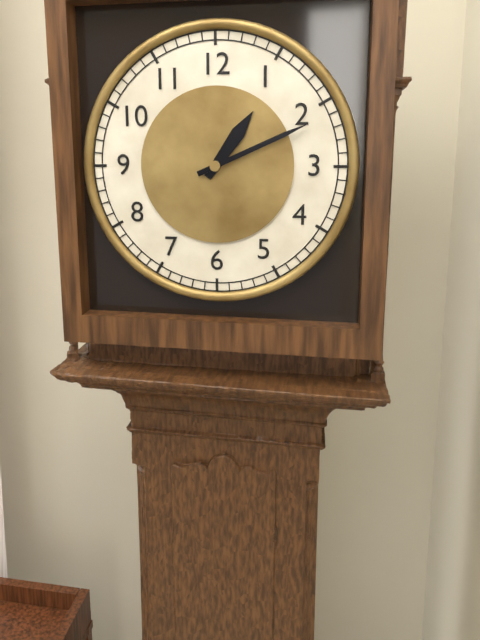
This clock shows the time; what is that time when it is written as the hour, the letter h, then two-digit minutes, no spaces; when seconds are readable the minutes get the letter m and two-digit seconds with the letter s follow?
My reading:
1h11
